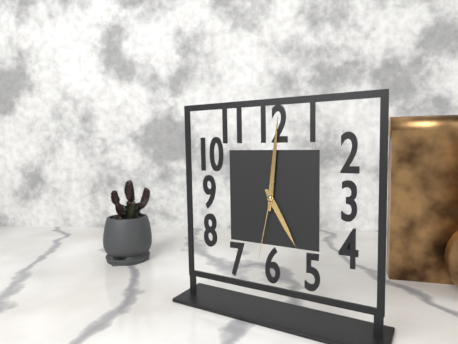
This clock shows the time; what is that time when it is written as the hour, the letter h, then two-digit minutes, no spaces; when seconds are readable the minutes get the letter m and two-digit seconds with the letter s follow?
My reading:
5h01m32s
